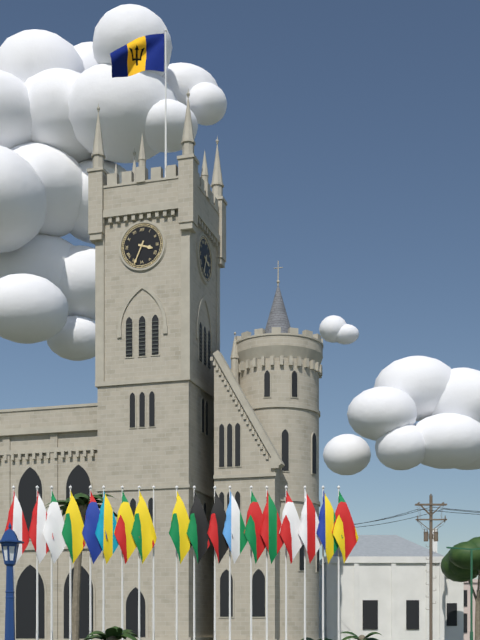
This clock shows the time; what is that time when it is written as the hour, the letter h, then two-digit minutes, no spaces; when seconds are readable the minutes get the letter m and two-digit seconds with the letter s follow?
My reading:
3h34
